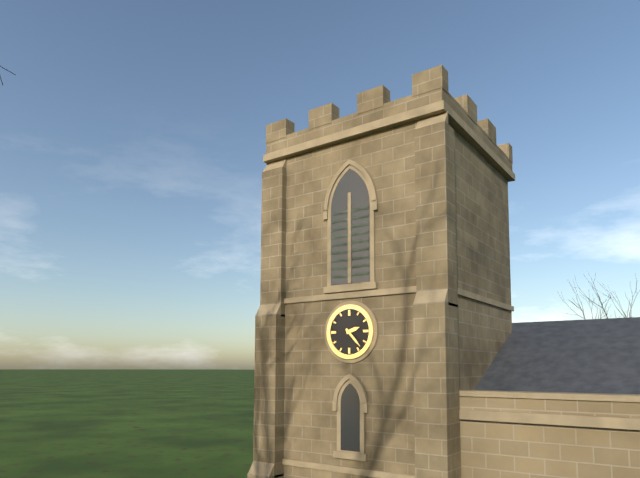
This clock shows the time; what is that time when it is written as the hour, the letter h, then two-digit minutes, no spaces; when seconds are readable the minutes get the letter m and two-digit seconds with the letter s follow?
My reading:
2h23
